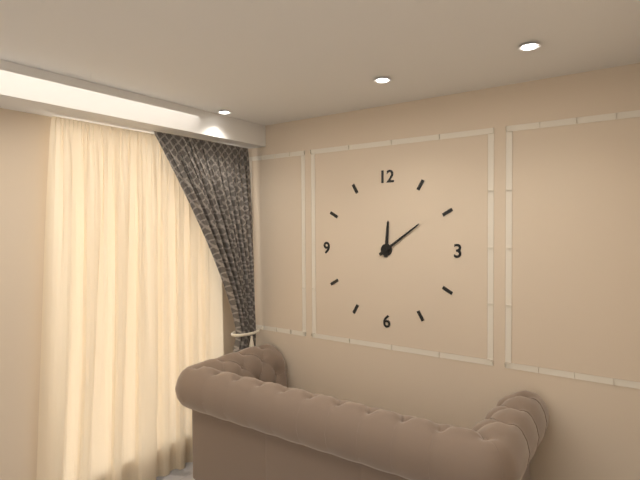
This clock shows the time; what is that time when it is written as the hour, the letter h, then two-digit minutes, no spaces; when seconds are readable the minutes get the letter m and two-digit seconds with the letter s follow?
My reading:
12h09
